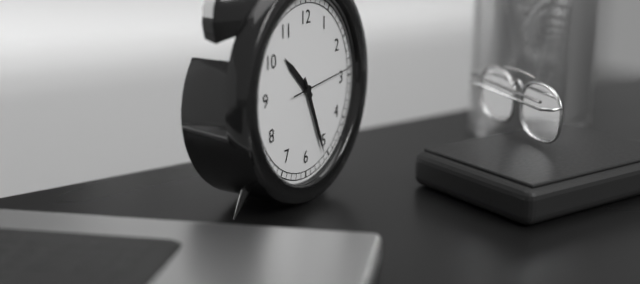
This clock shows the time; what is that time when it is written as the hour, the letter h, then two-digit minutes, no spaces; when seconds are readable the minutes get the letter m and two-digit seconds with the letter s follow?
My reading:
10h26m14s
